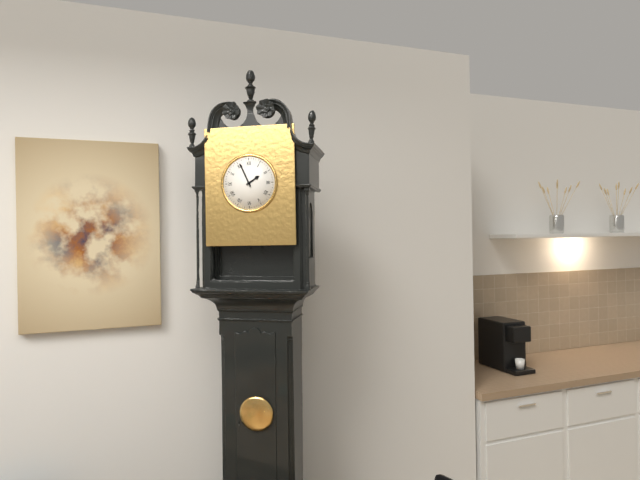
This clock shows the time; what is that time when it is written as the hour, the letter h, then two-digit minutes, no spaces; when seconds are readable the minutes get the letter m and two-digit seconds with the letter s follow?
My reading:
1h56
